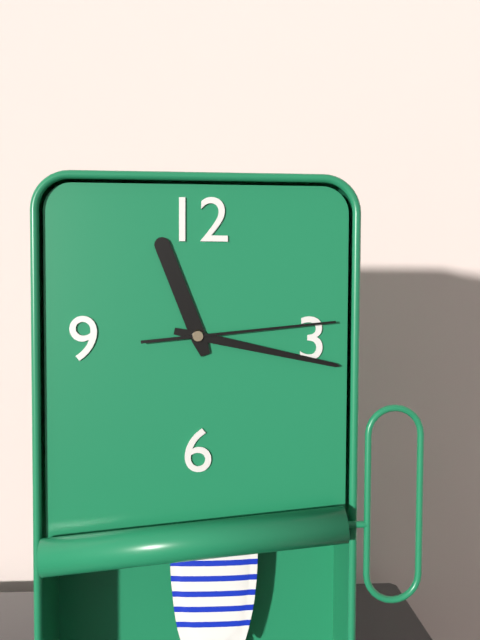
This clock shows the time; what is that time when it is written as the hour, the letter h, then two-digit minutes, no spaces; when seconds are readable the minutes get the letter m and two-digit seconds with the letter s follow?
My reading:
11h17m14s
